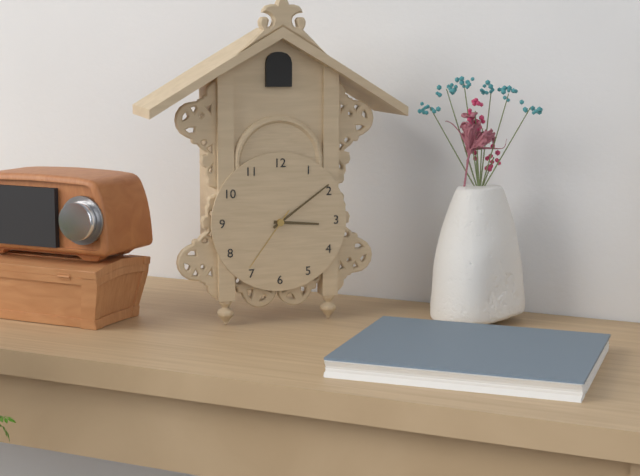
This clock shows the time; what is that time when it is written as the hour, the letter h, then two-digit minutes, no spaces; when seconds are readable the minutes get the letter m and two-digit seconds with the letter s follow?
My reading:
3h09m36s
